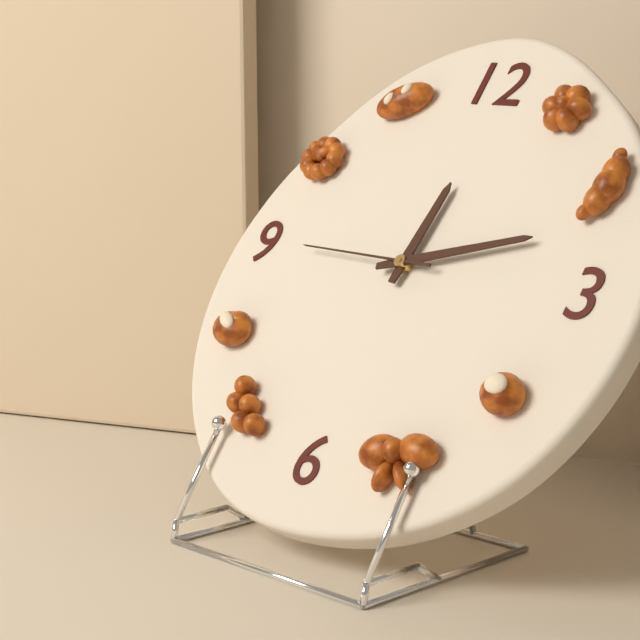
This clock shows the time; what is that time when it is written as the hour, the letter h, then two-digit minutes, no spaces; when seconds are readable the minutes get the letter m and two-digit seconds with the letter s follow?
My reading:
12h12m45s
